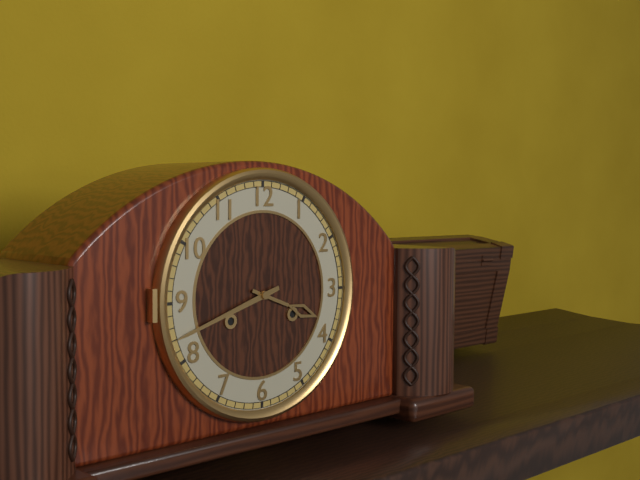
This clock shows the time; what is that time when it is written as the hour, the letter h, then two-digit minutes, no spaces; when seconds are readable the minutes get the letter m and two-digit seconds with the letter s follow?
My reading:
3h42
